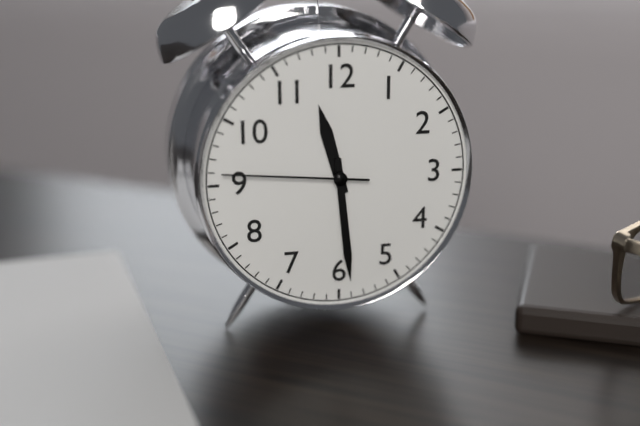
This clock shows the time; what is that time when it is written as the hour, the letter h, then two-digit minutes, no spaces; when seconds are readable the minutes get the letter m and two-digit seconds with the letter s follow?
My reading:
11h29m46s
